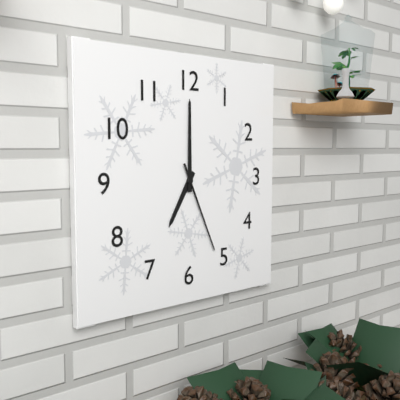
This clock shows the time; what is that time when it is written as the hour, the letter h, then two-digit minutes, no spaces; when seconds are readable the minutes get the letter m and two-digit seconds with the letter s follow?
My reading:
7h00m26s
